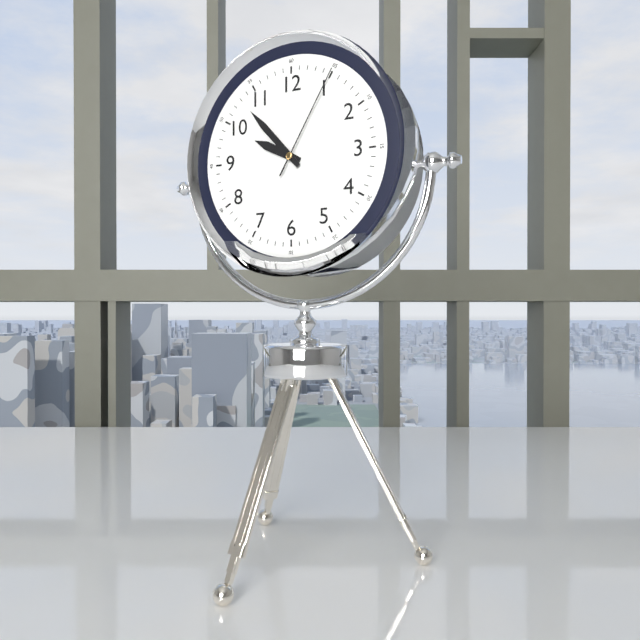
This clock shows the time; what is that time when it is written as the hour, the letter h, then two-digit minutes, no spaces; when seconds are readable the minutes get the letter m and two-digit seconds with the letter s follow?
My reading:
9h53m05s
